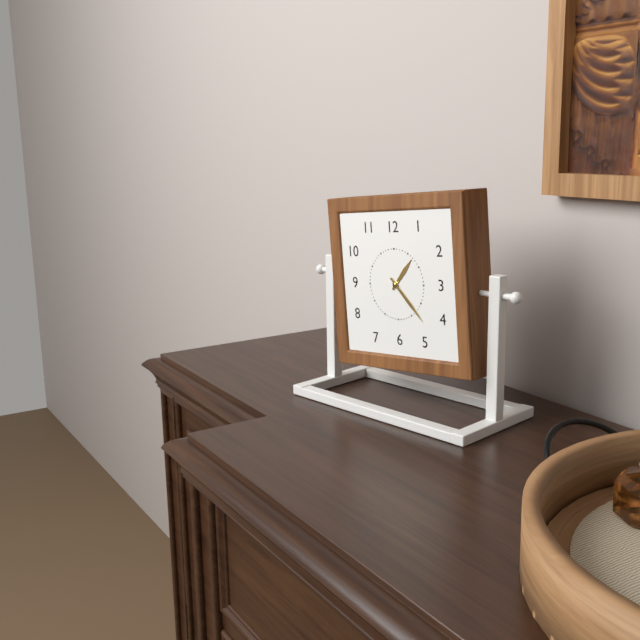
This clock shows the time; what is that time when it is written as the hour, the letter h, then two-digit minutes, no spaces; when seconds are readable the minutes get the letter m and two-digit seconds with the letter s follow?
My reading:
1h23
